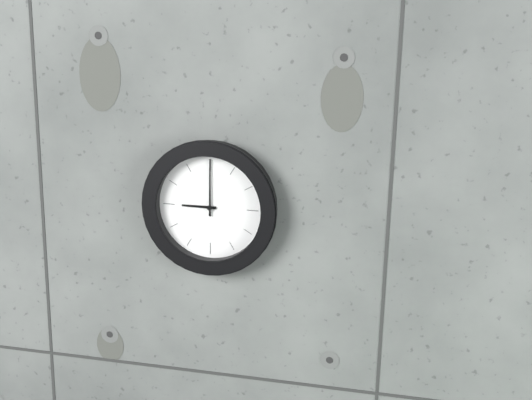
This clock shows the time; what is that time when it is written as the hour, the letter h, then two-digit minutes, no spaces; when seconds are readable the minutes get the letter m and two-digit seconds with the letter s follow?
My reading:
9h00
